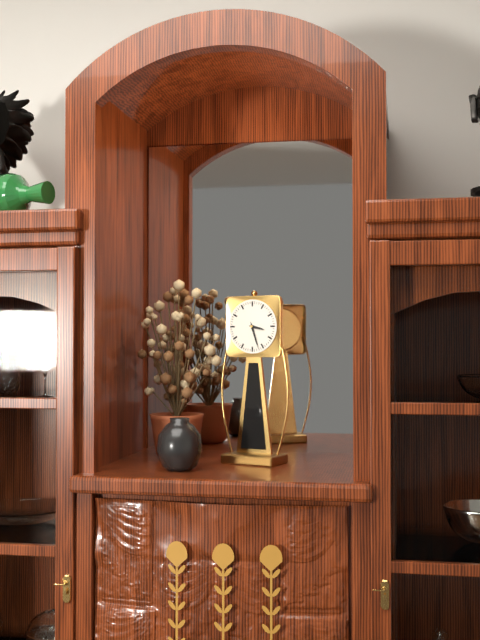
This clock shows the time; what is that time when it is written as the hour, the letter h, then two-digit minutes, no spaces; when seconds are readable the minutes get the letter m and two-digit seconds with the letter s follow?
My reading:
3h27
